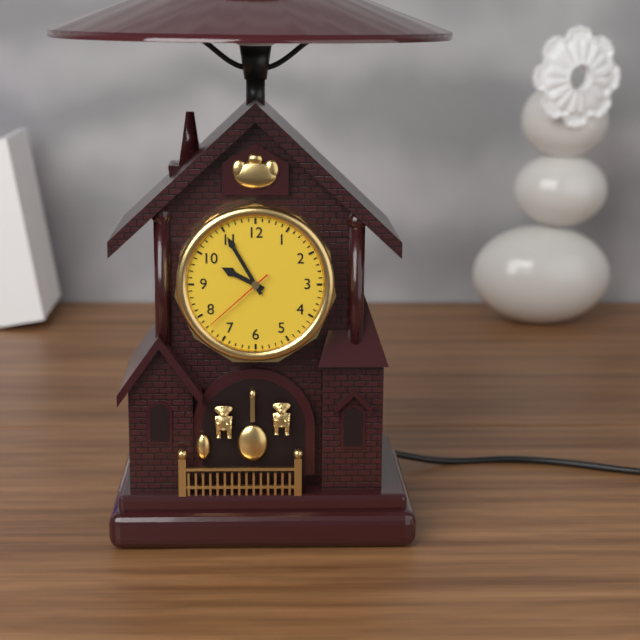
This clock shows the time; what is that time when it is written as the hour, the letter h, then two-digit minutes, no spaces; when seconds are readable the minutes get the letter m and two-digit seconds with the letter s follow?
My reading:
9h55m38s
